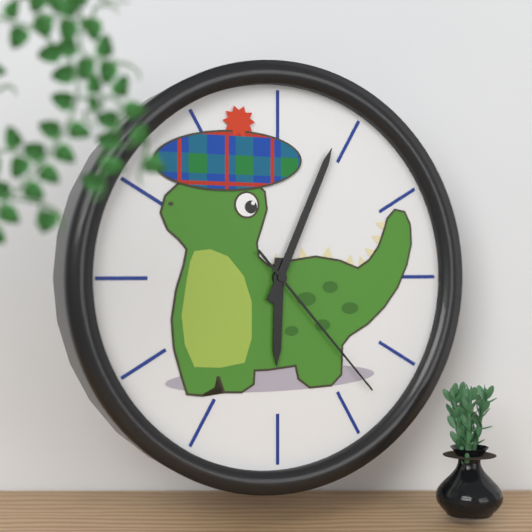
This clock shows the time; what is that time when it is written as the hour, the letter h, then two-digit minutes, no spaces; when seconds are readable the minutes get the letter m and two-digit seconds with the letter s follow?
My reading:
6h04m23s
